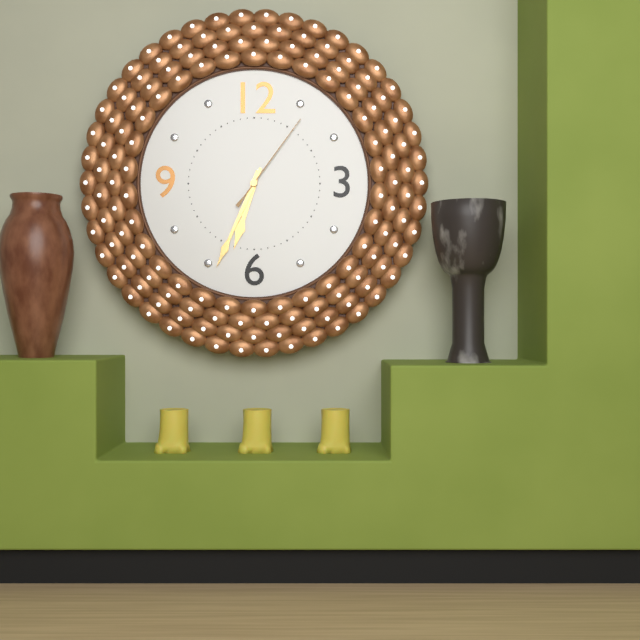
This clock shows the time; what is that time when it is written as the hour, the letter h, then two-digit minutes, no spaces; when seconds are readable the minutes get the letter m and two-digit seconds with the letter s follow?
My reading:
6h34m06s
